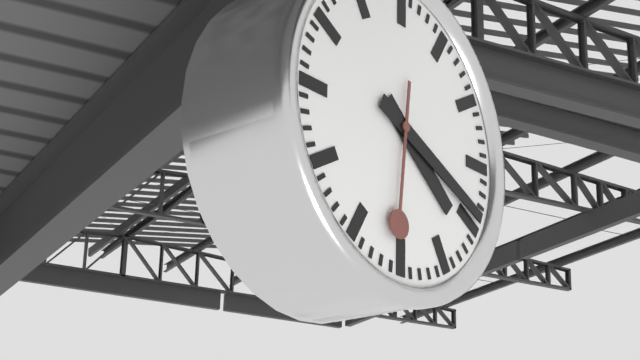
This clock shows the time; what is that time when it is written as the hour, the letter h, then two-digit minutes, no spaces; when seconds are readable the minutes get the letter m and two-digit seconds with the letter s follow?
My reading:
4h19m31s
